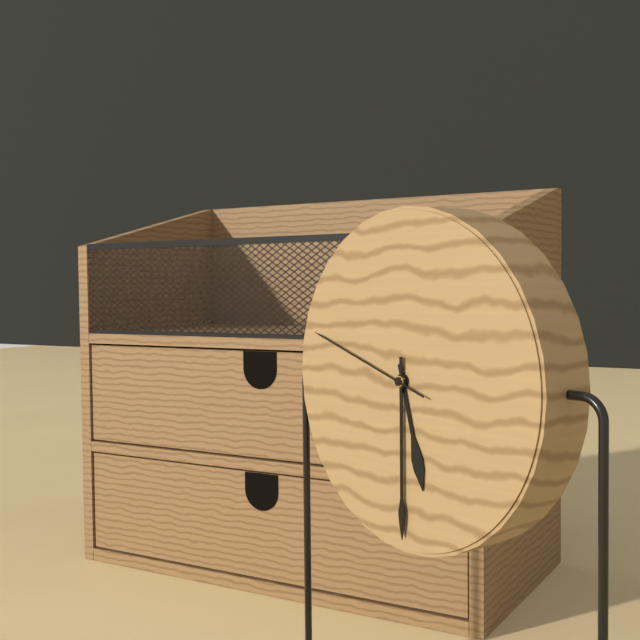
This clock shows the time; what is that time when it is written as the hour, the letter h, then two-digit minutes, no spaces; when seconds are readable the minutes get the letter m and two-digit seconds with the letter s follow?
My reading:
5h30m48s
